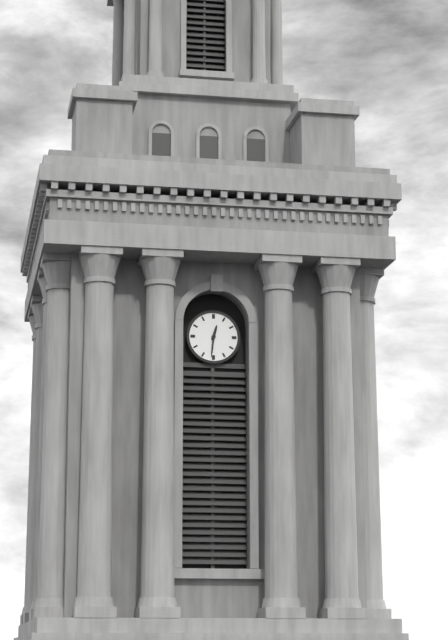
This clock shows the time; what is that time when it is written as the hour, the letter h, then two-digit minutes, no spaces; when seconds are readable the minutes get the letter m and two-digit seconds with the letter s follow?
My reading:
12h31
